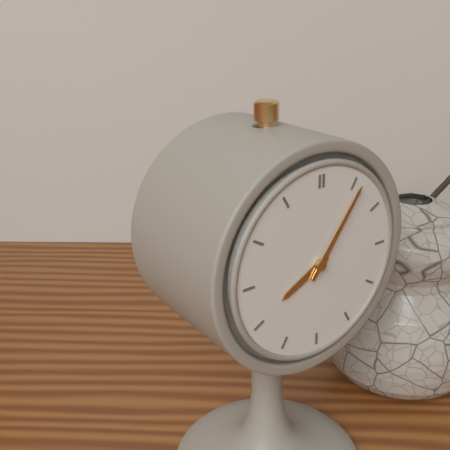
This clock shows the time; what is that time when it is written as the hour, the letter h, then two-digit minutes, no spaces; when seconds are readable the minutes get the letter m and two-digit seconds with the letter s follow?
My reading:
8h06
